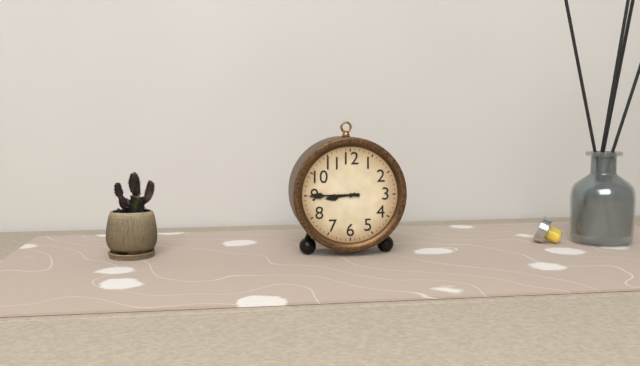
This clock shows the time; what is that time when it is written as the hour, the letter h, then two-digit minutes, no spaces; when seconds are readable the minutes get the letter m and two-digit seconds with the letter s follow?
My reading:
8h45
